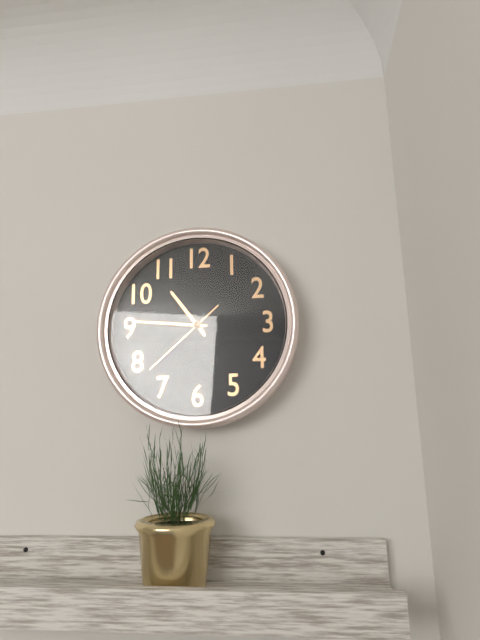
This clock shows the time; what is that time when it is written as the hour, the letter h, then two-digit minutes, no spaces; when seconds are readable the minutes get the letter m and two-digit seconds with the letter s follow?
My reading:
10h46m38s
